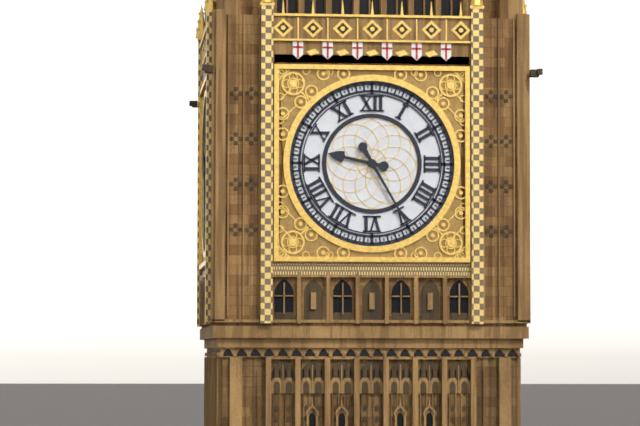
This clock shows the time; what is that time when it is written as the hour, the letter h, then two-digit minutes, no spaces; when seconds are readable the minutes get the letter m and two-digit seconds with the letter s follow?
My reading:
9h25
